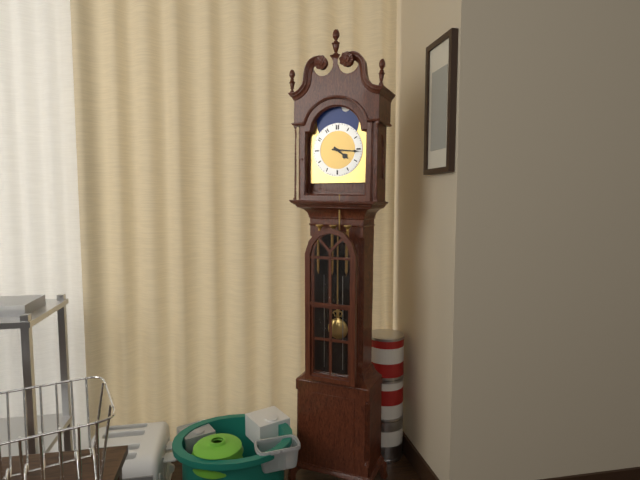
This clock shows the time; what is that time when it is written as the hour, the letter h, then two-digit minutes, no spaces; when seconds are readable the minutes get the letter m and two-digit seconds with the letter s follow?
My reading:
4h16
